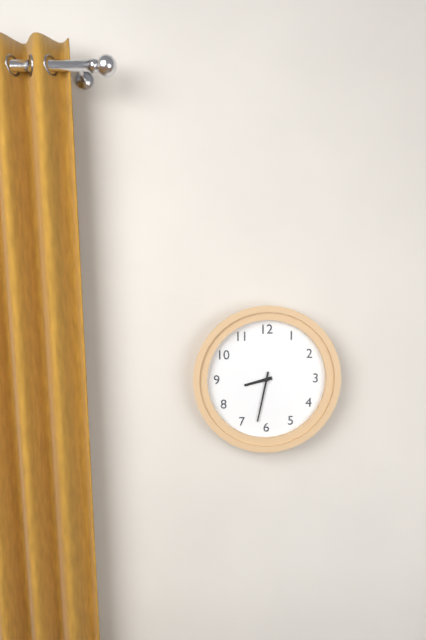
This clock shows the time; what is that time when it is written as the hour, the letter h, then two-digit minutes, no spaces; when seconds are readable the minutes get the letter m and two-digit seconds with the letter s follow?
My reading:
8h32
